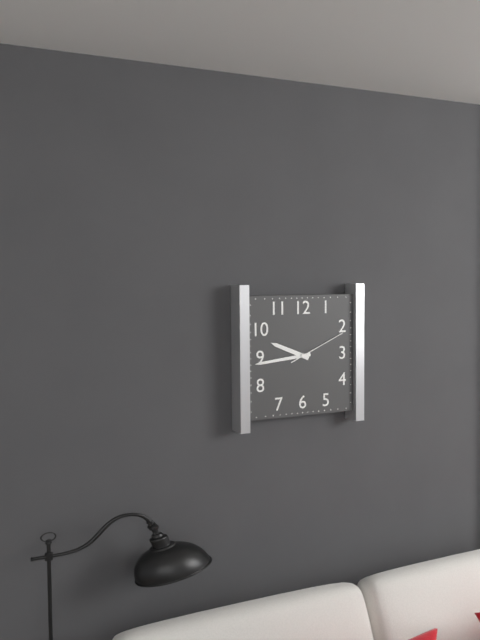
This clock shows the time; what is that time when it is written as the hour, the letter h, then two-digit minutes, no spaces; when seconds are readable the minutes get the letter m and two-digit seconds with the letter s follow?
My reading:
9h44m11s
